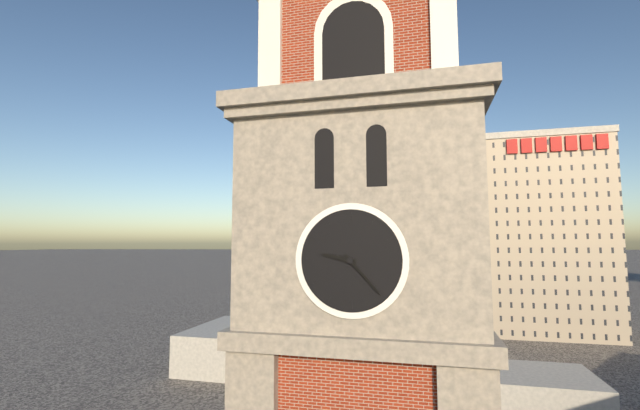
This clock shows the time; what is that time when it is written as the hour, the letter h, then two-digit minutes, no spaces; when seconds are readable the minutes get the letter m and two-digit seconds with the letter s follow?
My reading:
9h23
